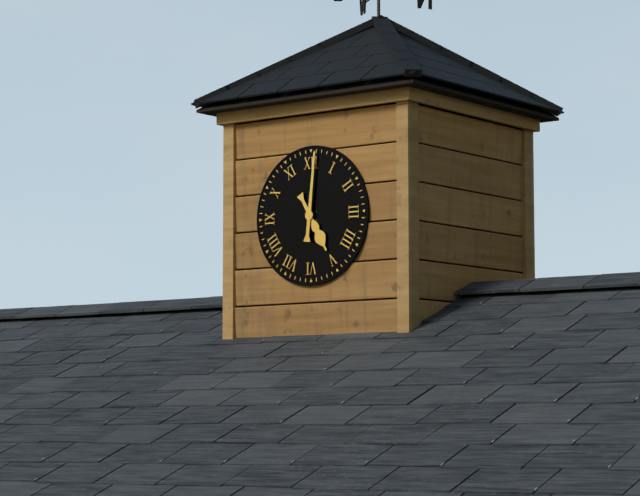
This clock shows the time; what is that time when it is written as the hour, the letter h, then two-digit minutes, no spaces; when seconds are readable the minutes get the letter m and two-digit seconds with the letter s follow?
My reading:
5h01
